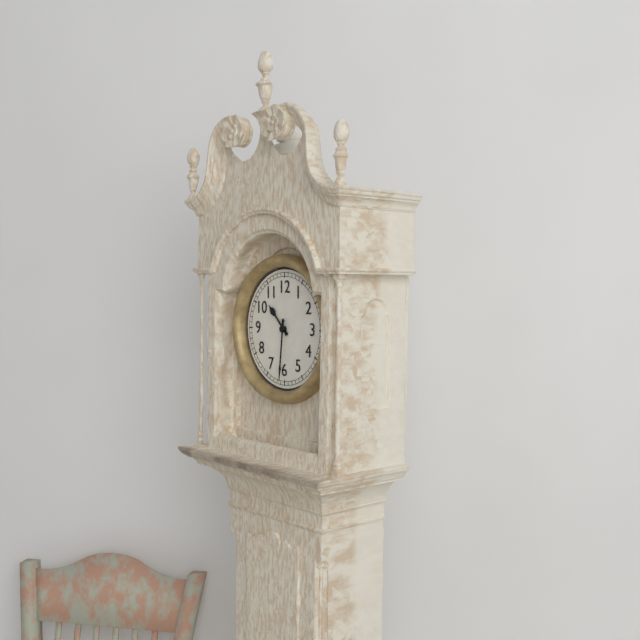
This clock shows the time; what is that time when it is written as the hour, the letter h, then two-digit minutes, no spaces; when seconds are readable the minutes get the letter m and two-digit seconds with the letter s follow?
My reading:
10h31
